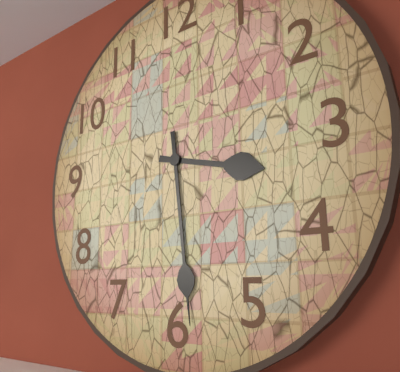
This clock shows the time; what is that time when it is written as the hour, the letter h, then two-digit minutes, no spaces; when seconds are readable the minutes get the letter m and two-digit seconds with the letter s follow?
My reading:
3h29
